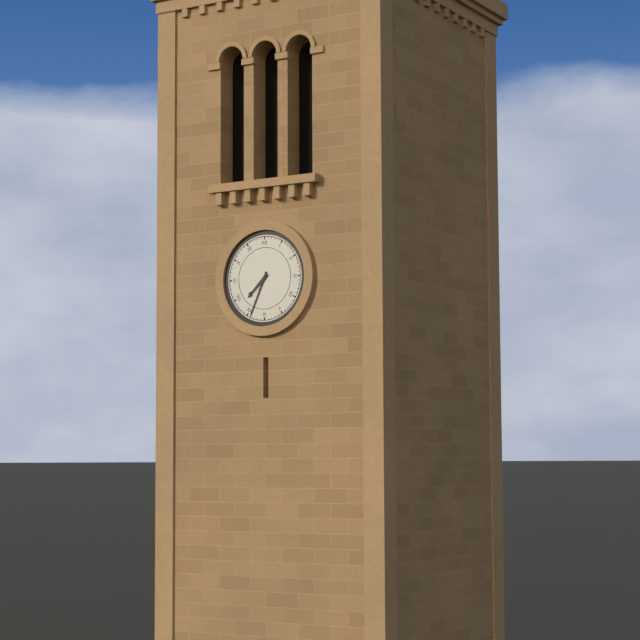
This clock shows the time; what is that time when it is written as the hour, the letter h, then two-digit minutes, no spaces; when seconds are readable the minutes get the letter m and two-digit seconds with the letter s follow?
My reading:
7h34
